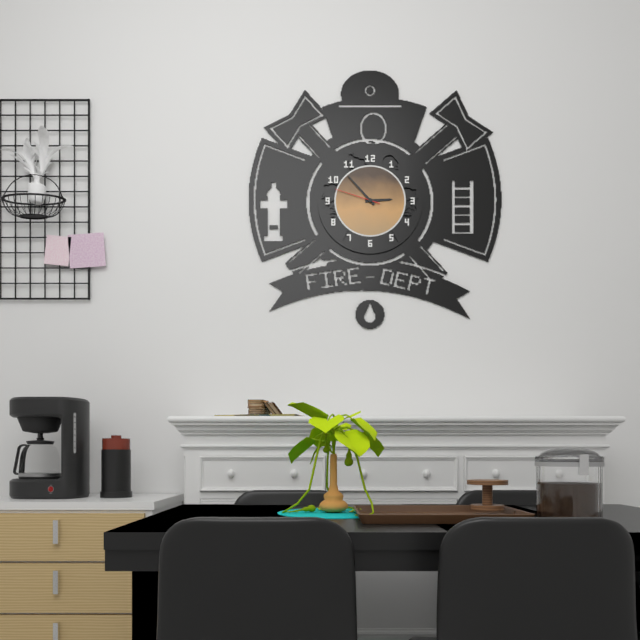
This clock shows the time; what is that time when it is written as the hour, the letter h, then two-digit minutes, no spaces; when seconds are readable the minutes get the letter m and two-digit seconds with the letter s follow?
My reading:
2h53
